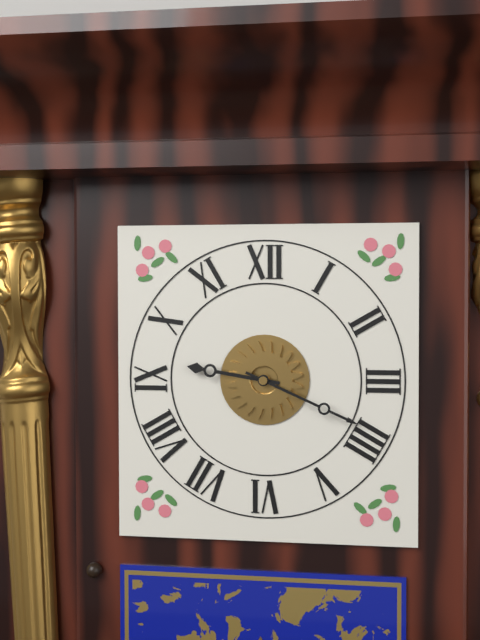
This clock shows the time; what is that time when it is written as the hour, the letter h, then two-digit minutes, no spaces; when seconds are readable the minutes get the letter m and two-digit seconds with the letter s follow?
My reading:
9h19
